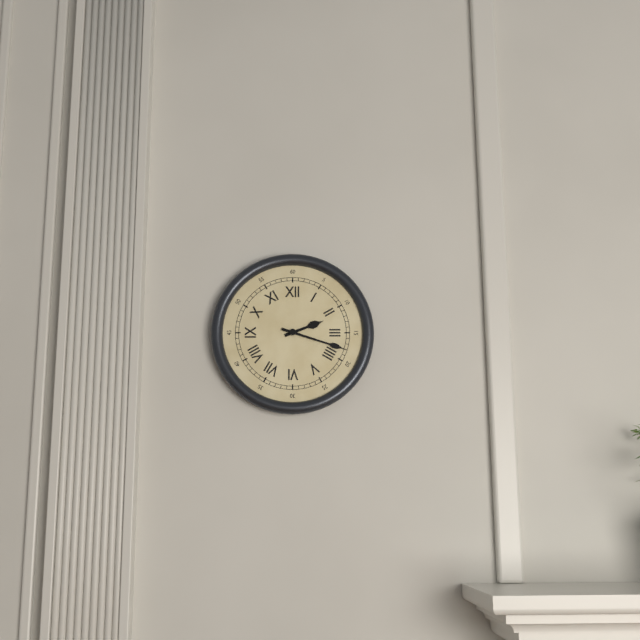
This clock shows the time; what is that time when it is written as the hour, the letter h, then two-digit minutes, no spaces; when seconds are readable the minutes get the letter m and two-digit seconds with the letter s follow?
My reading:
2h18
